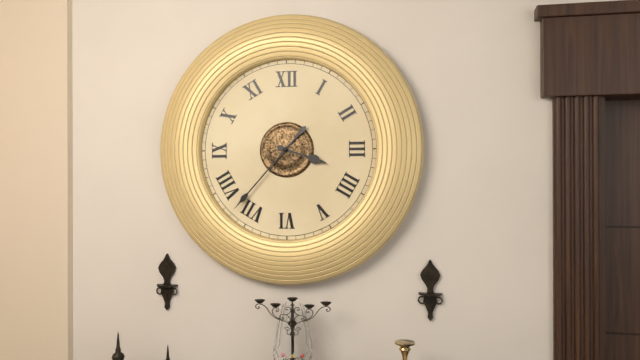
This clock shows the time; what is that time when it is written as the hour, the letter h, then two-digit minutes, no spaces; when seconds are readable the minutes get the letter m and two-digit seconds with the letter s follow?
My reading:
3h37
